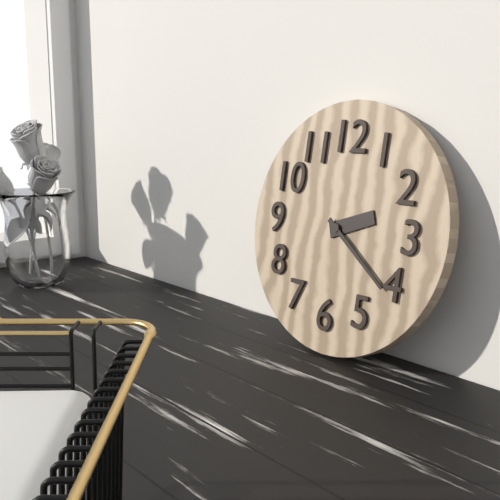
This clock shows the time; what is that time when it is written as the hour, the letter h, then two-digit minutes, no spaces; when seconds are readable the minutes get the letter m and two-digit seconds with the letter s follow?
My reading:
2h21
